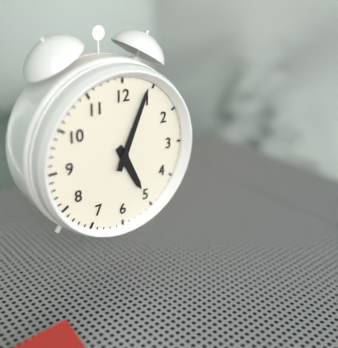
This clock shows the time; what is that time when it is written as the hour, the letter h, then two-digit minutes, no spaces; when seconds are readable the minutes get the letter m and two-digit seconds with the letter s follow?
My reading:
5h04
